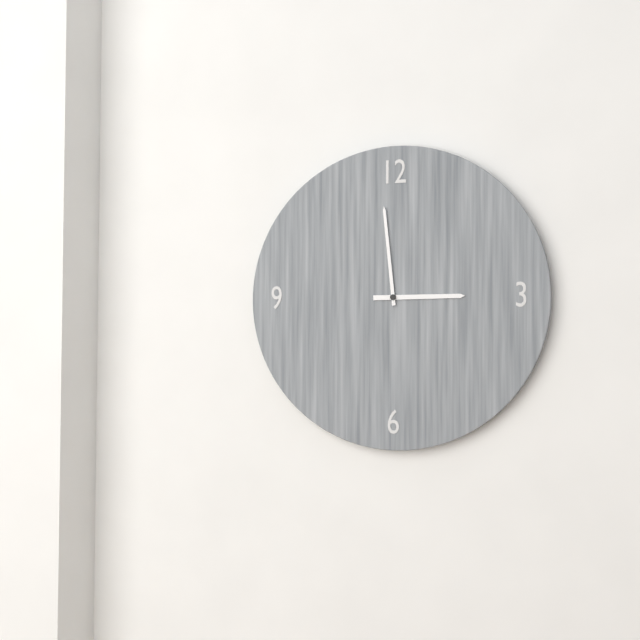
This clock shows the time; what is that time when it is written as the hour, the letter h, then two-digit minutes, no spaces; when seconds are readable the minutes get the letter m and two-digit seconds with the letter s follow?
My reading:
2h59
